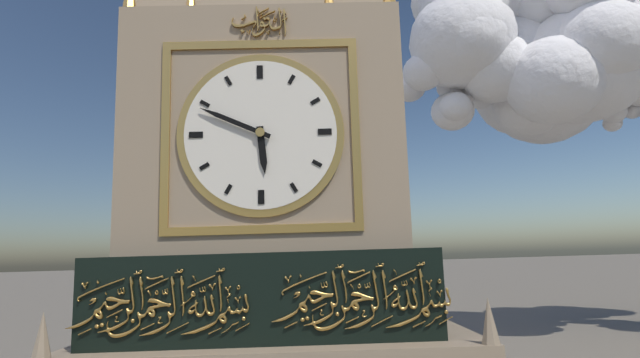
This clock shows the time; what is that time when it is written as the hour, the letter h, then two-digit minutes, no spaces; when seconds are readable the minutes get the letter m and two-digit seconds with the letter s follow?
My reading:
5h49
